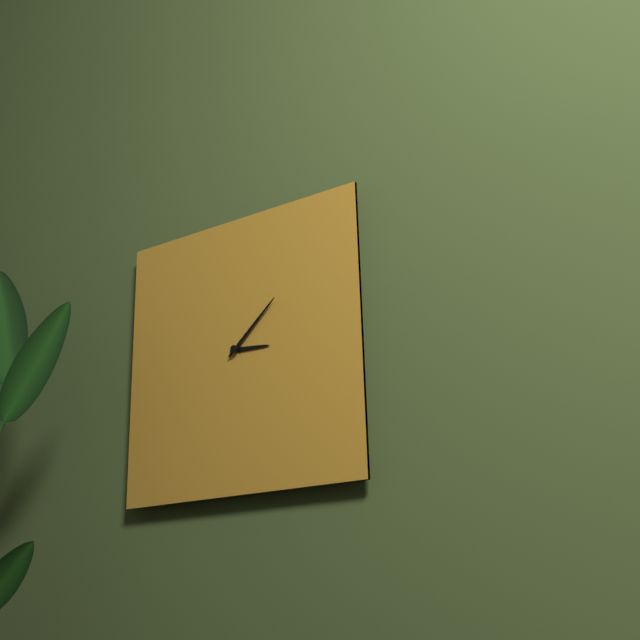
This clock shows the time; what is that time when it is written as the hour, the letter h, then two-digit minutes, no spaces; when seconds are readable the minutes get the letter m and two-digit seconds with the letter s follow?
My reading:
3h08
